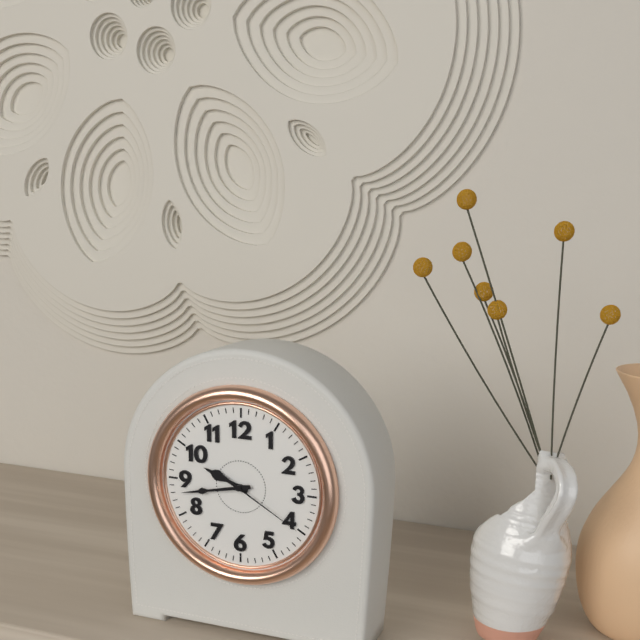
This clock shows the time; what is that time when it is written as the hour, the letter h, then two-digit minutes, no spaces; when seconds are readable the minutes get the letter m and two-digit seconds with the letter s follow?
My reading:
9h43m20s
